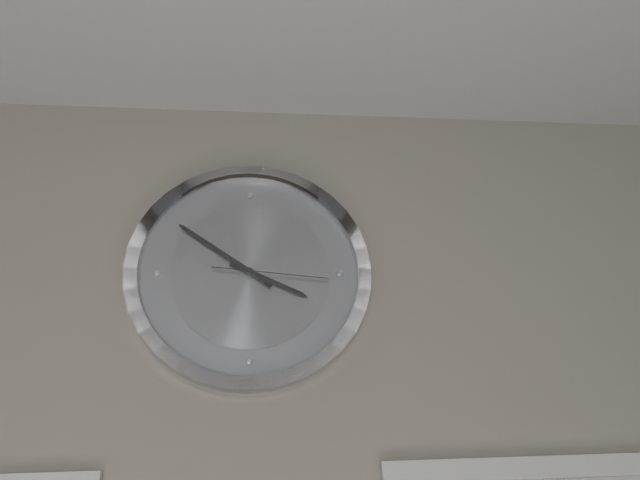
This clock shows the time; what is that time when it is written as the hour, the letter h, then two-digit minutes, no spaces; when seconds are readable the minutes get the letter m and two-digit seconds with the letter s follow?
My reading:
3h51m16s
